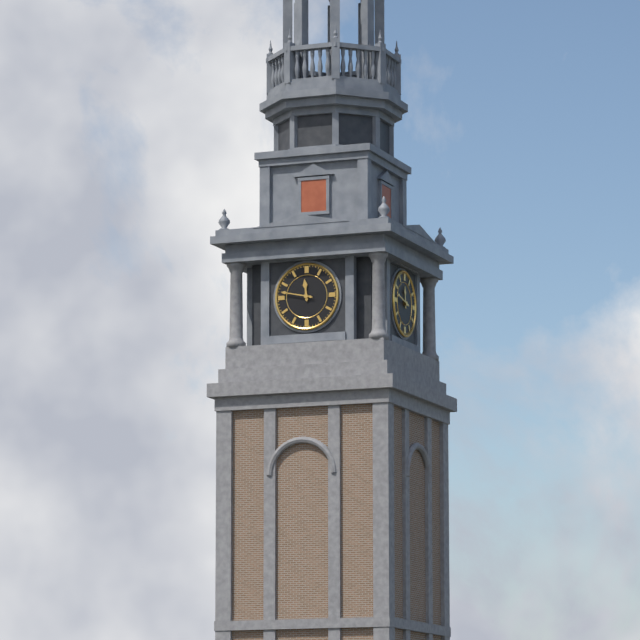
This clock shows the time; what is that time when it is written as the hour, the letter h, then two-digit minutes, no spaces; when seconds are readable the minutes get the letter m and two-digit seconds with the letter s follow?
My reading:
11h47
